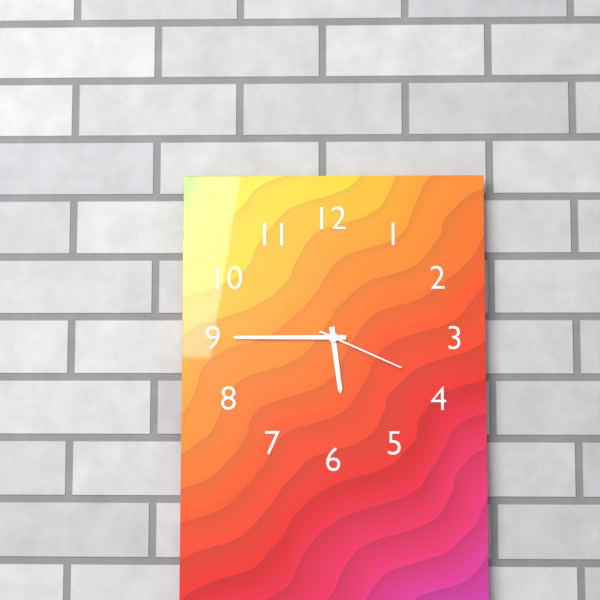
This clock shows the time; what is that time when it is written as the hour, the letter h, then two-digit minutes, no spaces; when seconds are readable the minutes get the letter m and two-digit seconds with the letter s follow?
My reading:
5h45m19s
